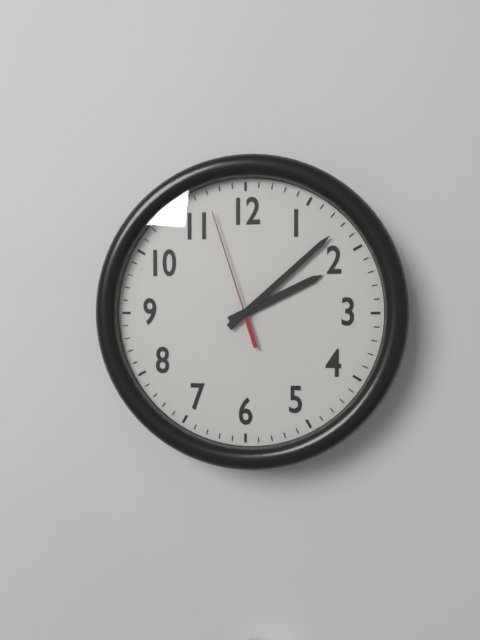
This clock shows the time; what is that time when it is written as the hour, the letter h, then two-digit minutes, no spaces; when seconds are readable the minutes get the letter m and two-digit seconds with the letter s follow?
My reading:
2h08m57s
